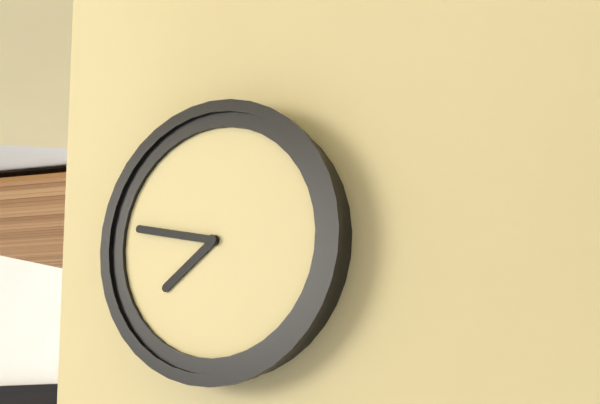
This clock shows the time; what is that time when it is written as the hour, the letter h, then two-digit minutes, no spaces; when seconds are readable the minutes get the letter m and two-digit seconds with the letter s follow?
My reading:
7h47
